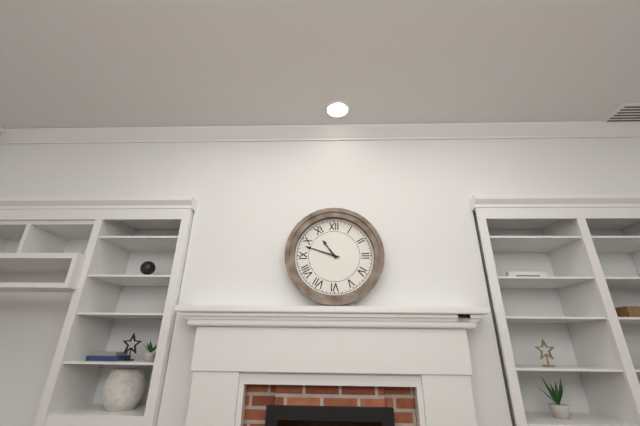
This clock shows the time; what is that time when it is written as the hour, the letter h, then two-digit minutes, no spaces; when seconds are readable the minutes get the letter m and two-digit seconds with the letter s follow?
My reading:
10h48
